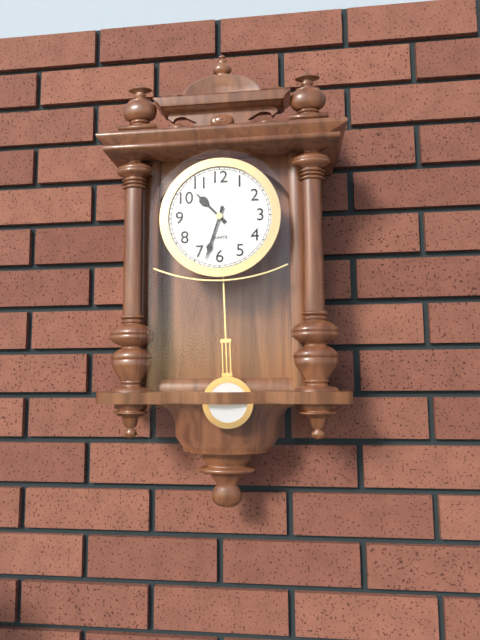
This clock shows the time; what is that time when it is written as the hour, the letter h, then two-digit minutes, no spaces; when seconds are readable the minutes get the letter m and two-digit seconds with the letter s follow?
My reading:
10h33
